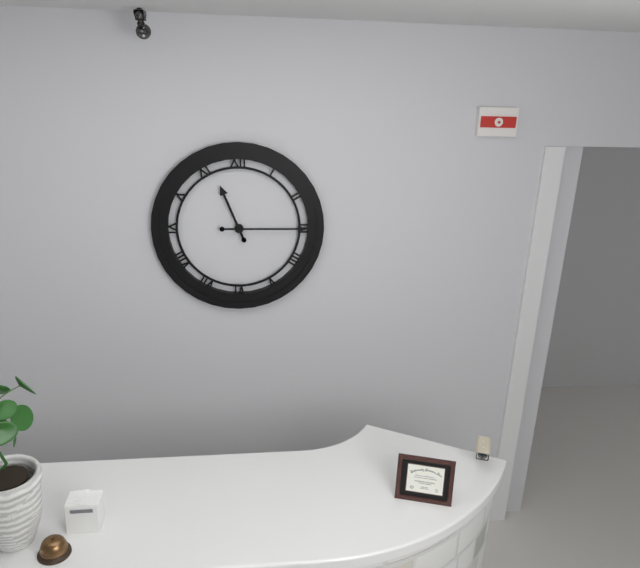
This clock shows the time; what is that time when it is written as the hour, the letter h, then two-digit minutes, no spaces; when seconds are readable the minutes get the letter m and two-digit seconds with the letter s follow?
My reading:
11h15
